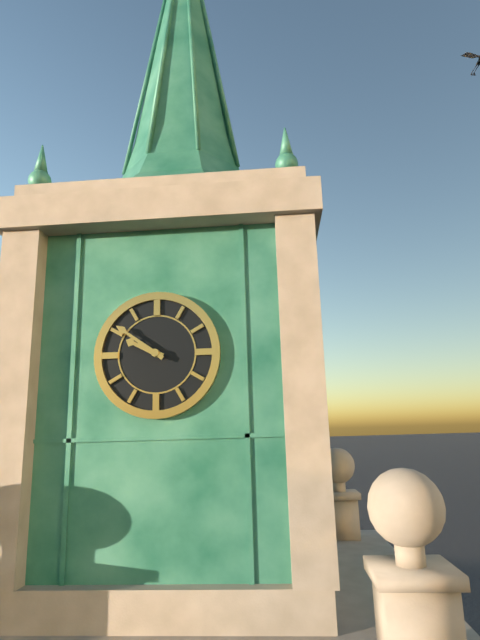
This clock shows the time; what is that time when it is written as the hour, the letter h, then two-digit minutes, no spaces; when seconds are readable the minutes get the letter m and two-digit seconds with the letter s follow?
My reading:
9h51
